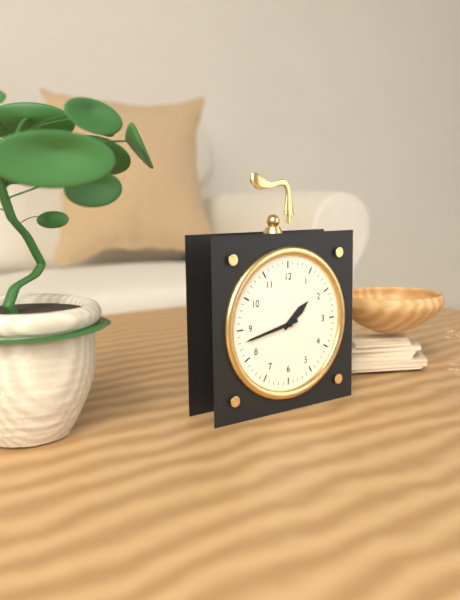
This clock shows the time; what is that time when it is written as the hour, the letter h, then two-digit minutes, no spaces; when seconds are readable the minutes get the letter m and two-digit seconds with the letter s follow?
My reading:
1h43
